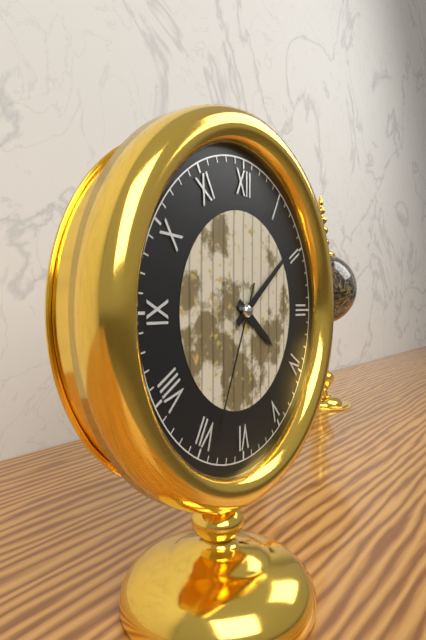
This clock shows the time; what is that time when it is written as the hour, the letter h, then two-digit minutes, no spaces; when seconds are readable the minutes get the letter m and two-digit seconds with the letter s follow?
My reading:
4h09m34s
